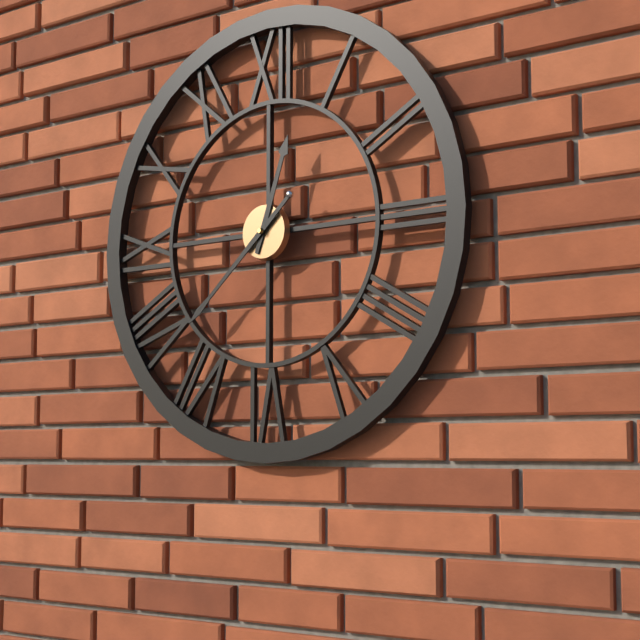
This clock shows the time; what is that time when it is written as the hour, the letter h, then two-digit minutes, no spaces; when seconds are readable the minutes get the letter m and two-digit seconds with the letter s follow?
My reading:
12h38
